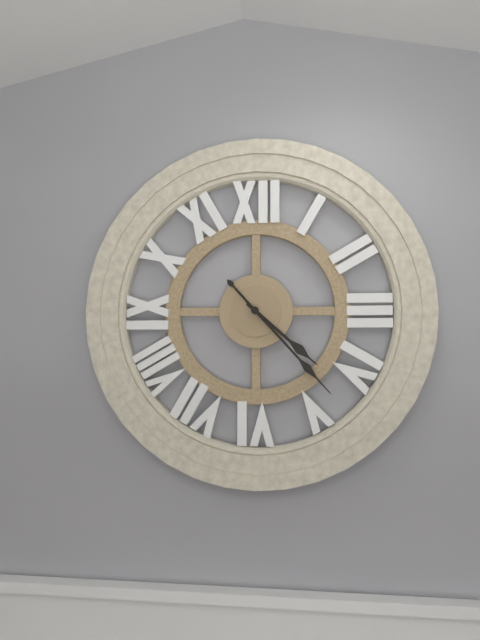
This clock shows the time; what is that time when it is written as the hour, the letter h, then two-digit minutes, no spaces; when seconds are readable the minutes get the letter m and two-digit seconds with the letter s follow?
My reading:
4h23
